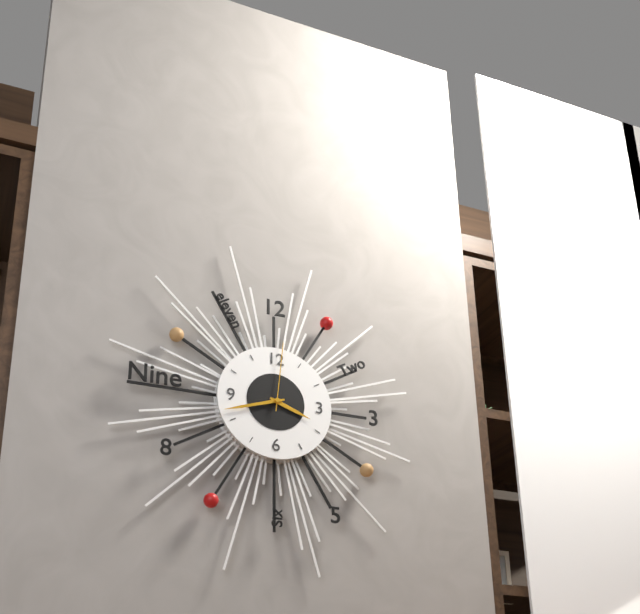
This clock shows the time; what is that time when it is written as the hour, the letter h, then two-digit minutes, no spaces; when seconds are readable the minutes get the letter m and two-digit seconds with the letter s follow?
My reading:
3h42m01s
